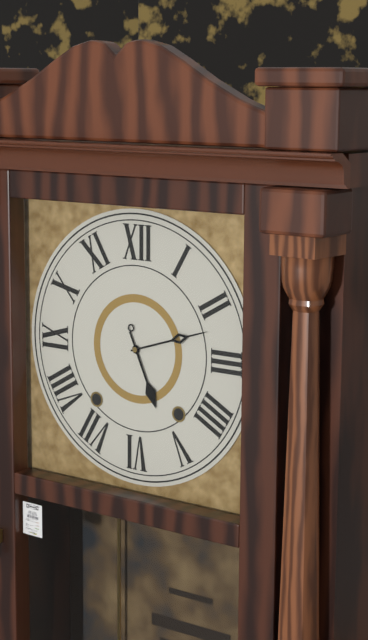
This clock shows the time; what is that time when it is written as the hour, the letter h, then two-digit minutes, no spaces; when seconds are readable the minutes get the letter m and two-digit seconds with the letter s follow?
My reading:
5h12
